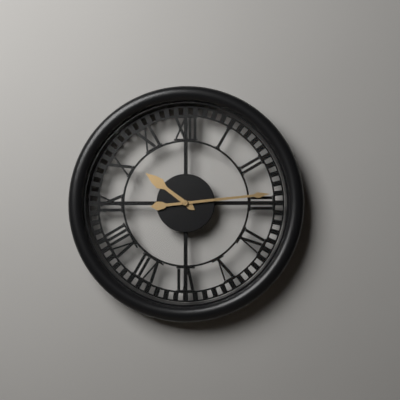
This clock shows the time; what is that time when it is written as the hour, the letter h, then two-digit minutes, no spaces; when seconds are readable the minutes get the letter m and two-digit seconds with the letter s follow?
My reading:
10h14
